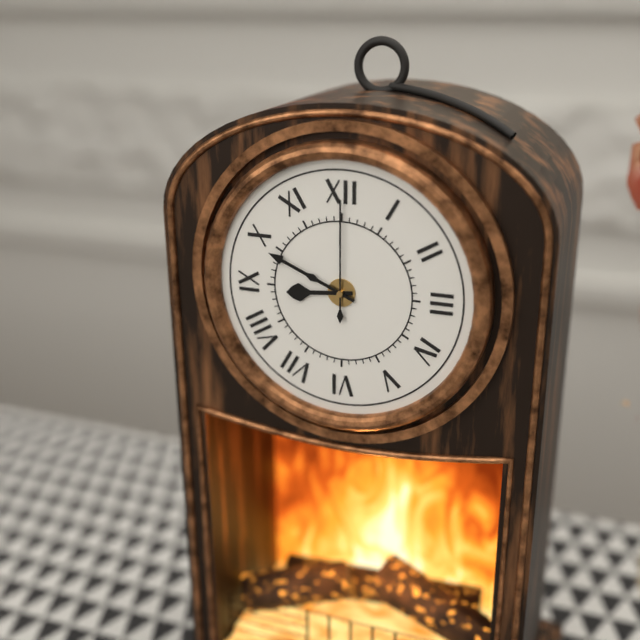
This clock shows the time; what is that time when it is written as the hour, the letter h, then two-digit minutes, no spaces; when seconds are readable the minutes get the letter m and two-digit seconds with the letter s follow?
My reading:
8h49m00s
